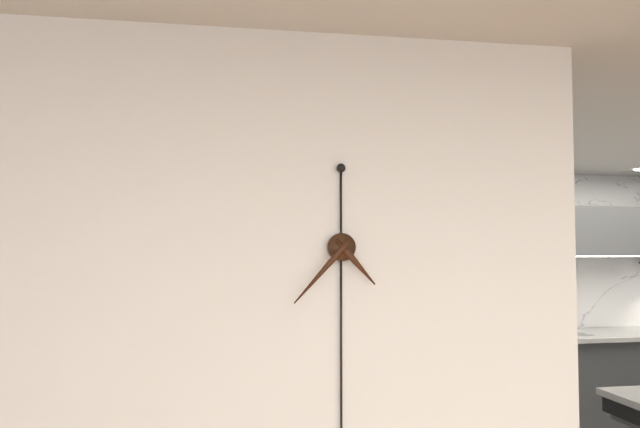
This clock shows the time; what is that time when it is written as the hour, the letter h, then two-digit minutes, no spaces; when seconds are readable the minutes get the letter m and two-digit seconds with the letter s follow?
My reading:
4h37
